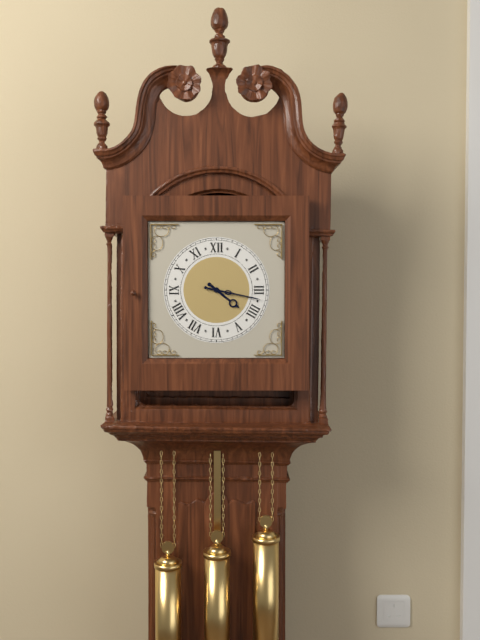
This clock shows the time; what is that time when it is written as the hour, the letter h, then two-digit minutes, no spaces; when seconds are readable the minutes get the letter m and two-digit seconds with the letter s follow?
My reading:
4h17
